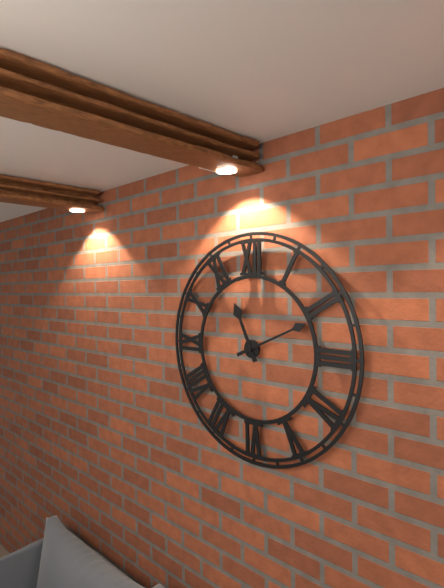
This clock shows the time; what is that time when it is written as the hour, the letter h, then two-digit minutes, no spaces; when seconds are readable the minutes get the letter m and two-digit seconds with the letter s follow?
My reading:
11h11
